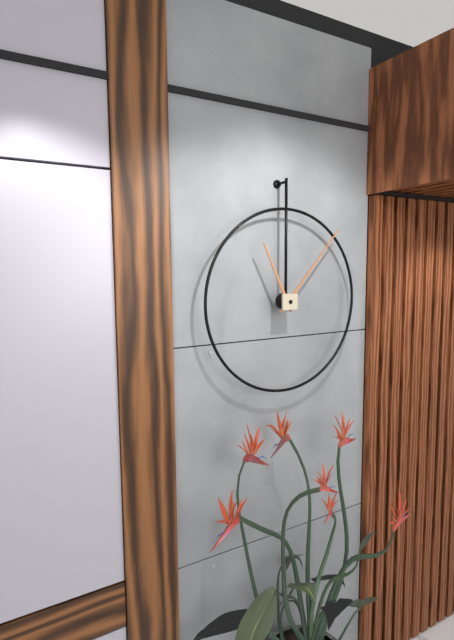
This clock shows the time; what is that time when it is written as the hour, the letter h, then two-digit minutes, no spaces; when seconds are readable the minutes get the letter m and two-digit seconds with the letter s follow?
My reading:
11h07
